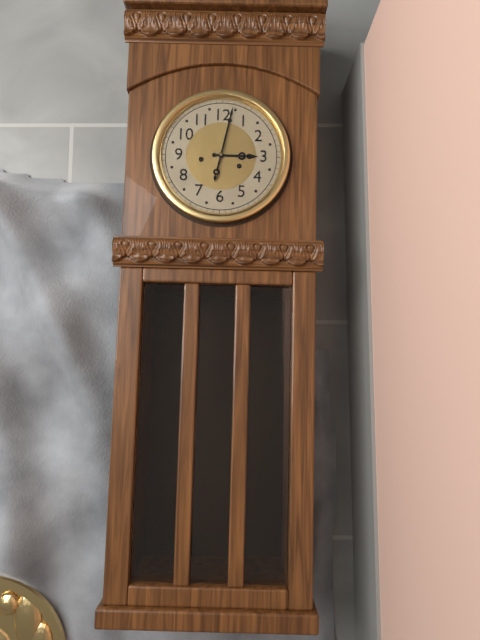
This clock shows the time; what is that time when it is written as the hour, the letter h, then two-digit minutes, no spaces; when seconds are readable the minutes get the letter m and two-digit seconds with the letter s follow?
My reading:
3h02
